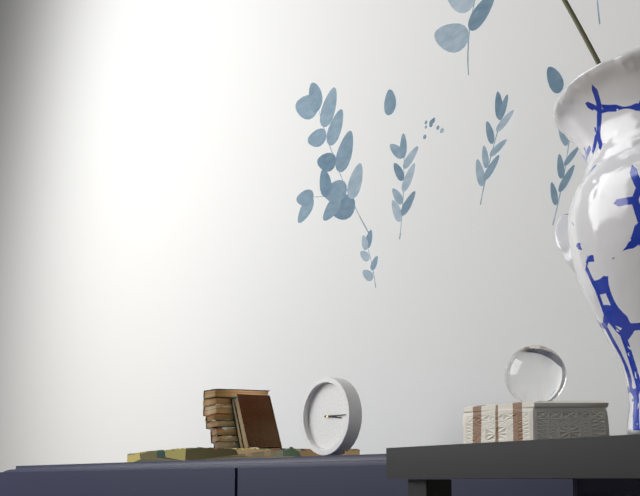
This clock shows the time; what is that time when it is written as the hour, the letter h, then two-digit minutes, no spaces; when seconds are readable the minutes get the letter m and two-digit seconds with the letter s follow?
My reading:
3h15
